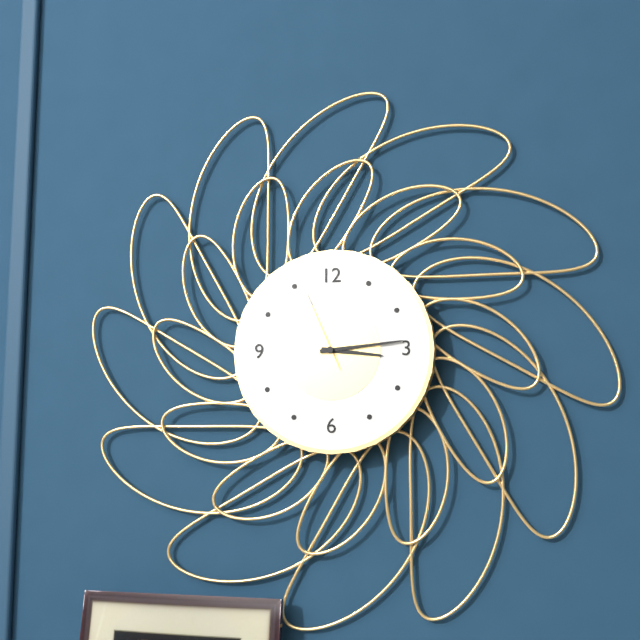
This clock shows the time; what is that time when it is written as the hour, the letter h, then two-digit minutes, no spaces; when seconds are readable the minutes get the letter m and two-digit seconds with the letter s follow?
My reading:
3h14m56s
